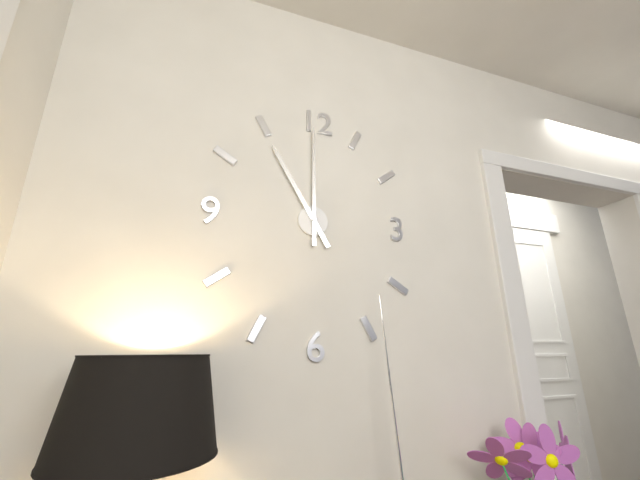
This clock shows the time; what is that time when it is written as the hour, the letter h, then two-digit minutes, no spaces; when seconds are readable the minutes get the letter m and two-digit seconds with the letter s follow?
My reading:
11h00
